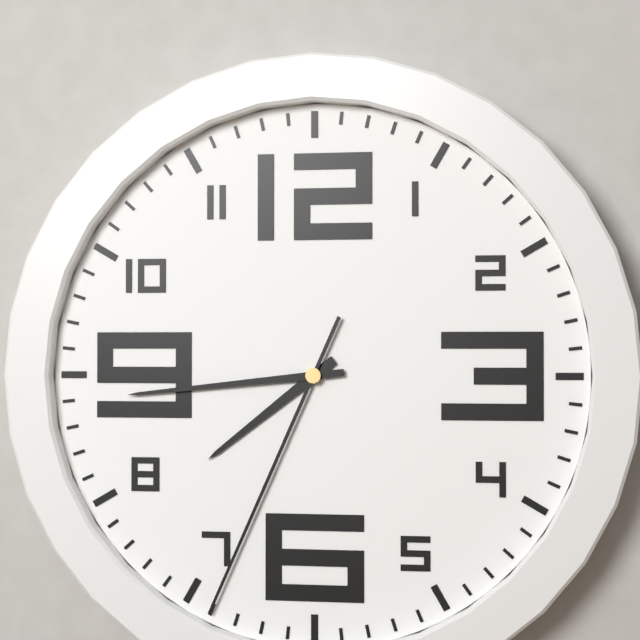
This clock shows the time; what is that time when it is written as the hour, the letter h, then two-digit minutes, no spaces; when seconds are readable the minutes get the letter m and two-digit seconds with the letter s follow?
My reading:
7h44m34s
